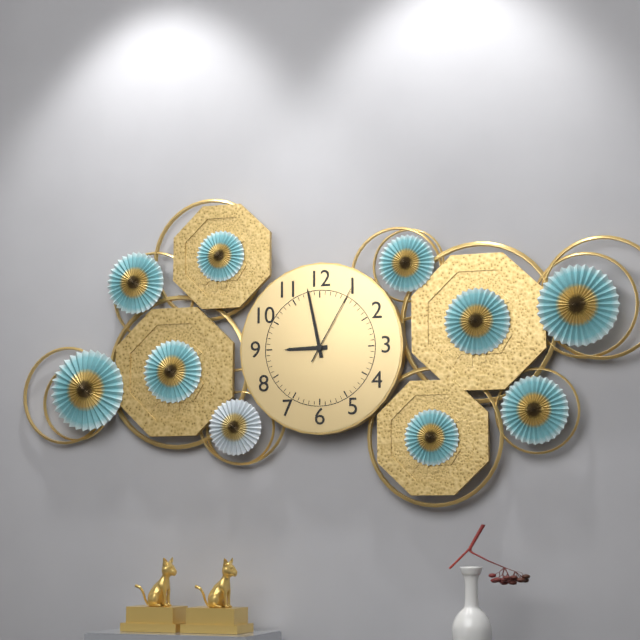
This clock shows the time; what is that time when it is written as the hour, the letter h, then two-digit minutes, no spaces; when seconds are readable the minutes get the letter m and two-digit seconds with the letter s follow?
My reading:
8h58m05s
